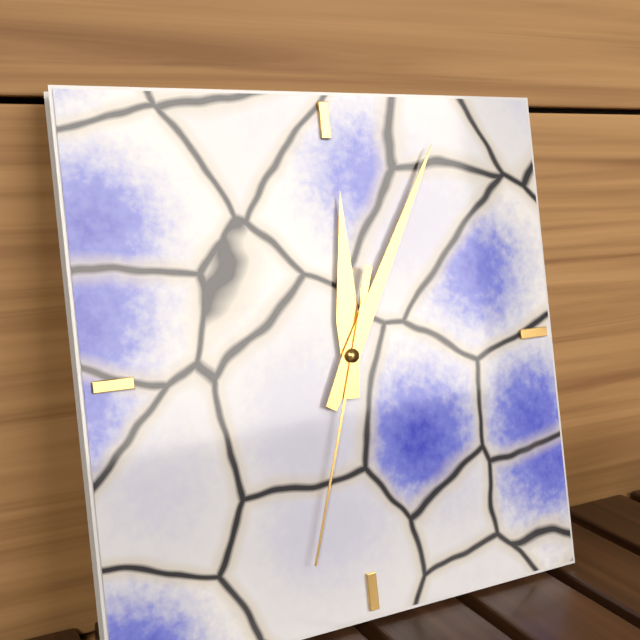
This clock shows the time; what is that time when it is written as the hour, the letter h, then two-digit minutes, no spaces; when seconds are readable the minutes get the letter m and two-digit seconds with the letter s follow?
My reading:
12h05m33s
